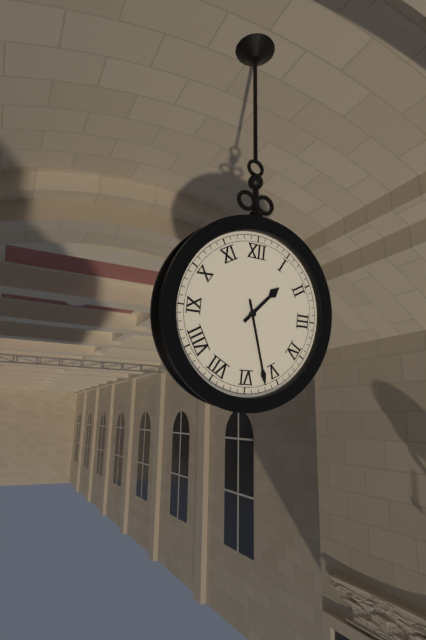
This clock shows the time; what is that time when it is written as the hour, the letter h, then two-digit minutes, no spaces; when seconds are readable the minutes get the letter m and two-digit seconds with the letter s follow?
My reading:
1h27
